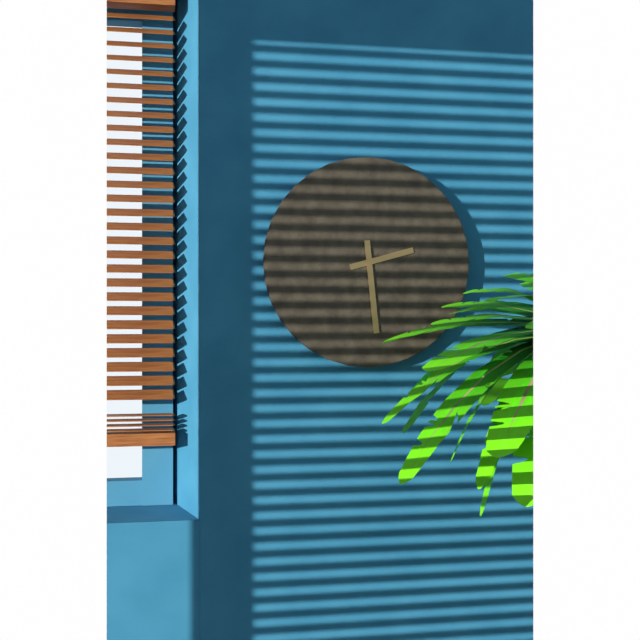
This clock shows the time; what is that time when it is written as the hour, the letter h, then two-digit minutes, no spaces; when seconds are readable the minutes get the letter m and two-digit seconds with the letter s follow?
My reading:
2h29
